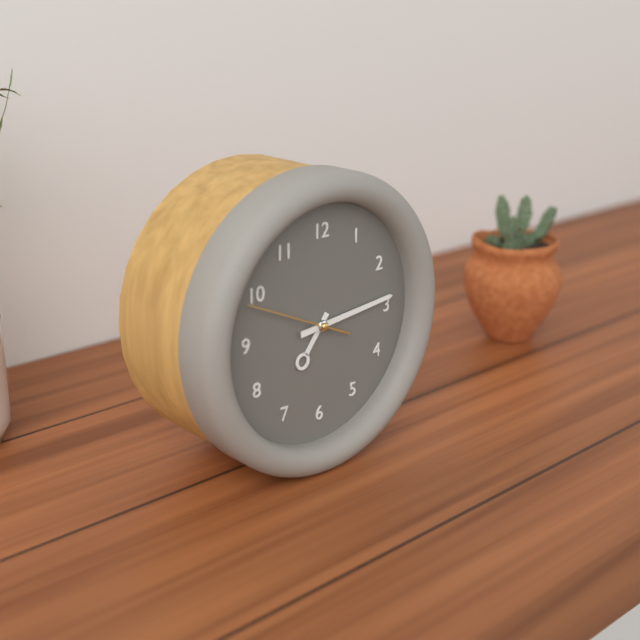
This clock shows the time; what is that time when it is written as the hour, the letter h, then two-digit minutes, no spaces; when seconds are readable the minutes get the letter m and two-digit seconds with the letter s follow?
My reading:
7h14
